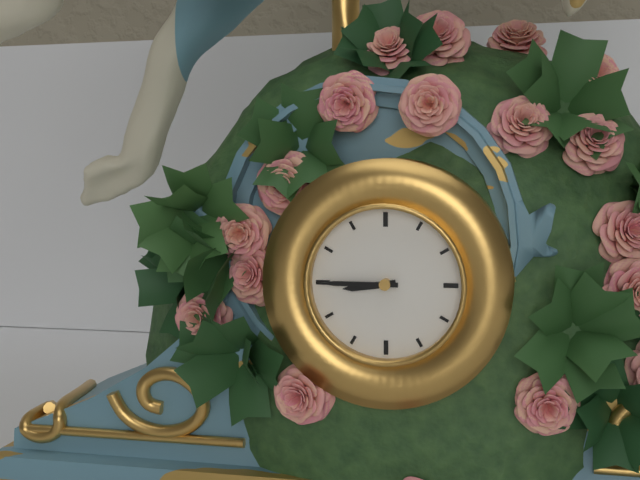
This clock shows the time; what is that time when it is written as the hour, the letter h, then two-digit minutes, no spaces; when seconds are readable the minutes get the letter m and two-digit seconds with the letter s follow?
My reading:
8h45
